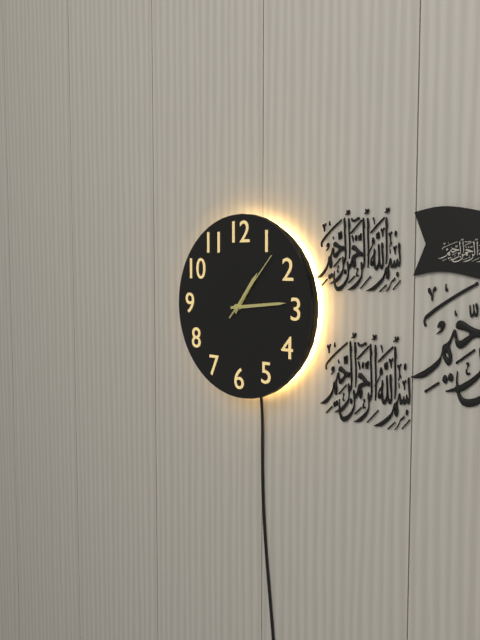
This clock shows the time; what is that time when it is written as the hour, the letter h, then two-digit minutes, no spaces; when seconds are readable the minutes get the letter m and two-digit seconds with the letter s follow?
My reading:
1h14m07s
